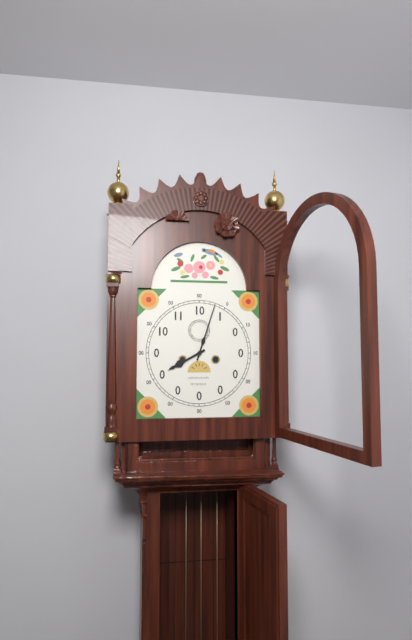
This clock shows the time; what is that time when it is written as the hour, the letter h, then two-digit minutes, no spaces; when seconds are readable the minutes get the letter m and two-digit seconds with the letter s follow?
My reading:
8h03
